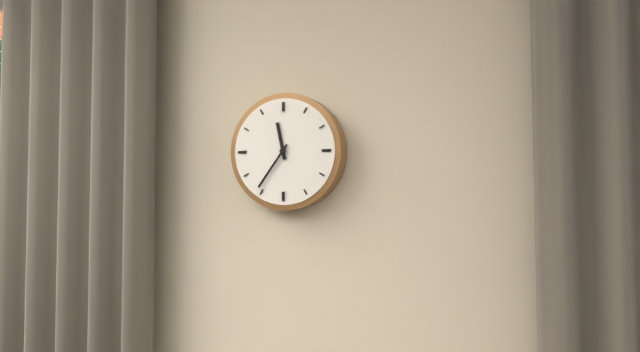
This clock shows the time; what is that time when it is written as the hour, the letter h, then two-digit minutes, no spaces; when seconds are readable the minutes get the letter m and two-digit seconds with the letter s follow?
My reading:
11h36
